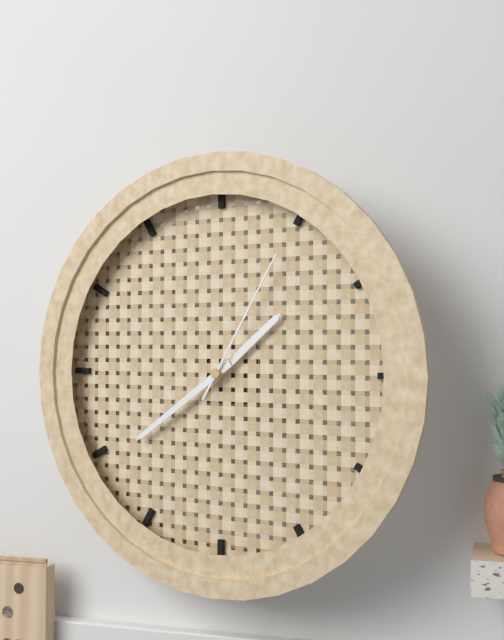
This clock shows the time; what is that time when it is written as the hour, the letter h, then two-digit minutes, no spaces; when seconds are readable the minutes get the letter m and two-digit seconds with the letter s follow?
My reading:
1h39m05s
